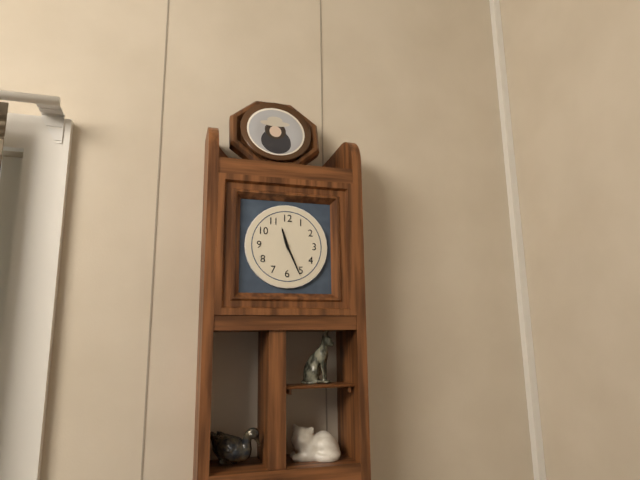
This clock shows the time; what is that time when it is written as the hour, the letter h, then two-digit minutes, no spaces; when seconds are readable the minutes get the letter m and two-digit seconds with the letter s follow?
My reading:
11h26
